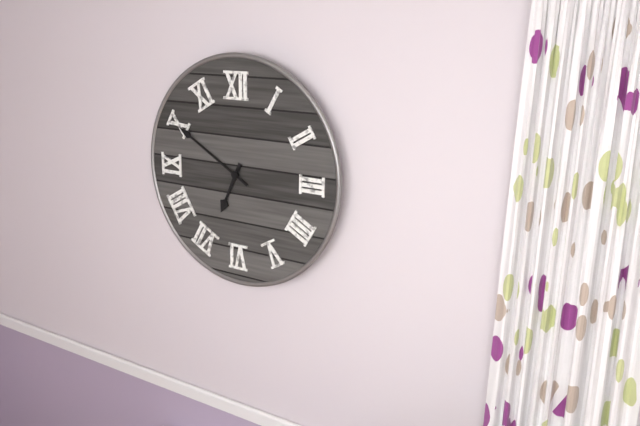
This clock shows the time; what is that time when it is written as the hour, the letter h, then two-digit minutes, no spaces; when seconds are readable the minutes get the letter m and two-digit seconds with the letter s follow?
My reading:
6h50
